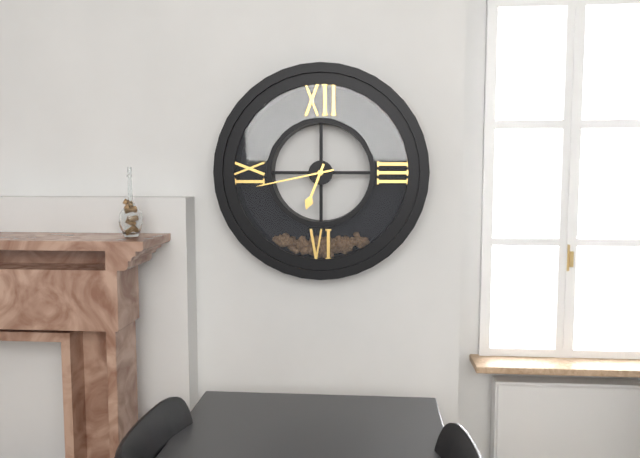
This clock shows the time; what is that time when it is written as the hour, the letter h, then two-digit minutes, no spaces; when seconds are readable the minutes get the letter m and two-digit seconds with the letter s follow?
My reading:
6h43
